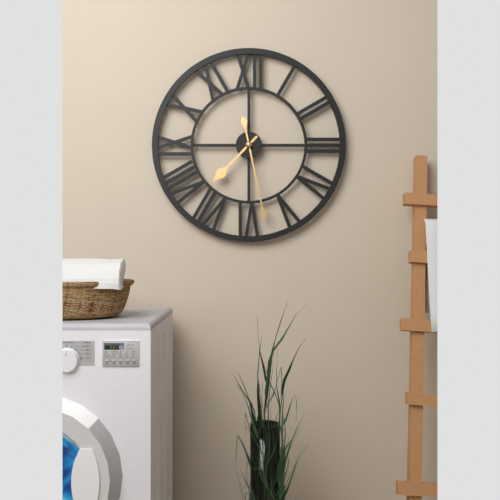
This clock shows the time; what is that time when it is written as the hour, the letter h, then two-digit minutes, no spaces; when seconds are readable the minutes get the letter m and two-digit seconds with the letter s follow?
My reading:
7h28
